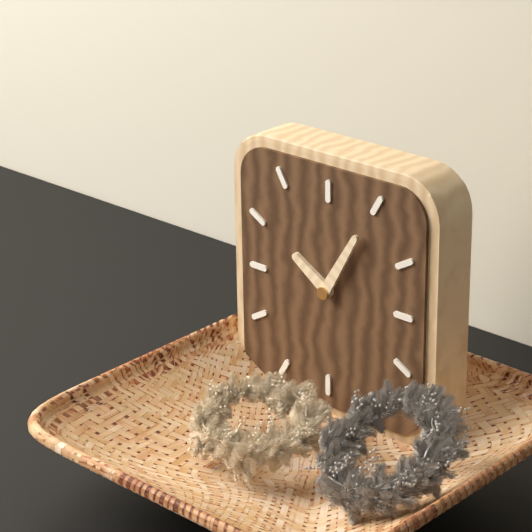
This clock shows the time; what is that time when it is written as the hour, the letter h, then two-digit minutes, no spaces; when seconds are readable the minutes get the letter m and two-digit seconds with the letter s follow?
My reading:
10h05
